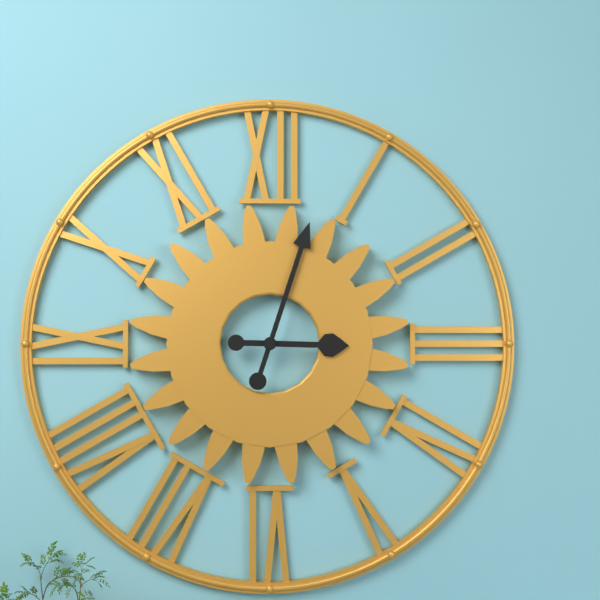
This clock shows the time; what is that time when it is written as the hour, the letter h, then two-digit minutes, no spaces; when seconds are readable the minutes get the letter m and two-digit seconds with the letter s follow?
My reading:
3h03
